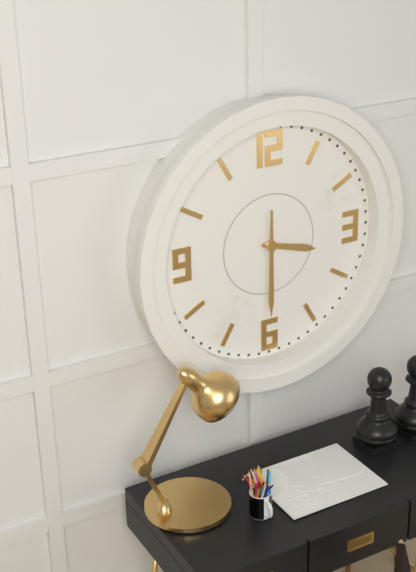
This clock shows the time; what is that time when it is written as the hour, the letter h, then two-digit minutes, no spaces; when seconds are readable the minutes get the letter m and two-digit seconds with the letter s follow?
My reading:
3h30
